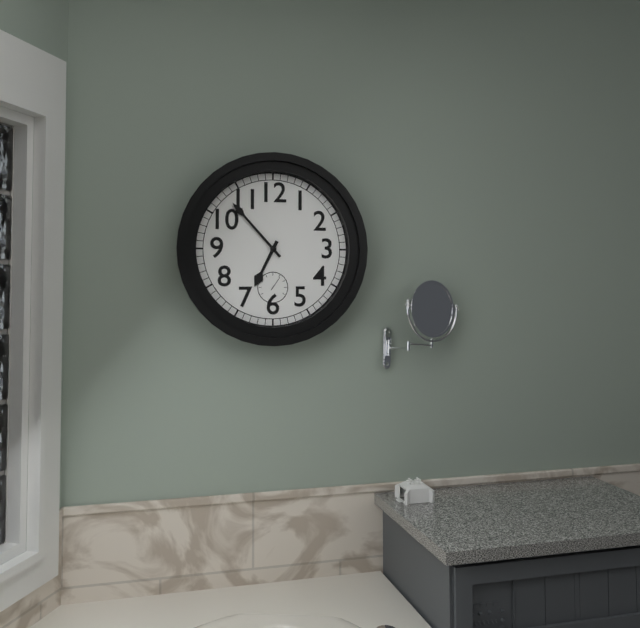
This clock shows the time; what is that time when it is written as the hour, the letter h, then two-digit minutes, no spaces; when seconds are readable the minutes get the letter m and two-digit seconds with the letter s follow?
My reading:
6h53
